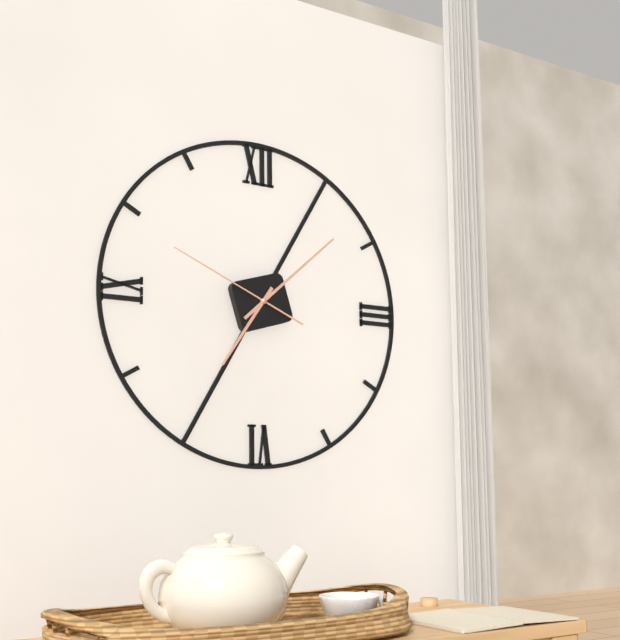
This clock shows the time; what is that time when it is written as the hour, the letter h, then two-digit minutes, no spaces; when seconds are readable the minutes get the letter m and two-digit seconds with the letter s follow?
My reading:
7h08m49s
